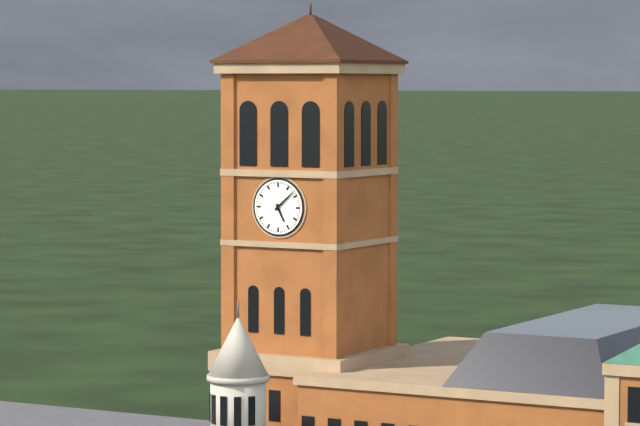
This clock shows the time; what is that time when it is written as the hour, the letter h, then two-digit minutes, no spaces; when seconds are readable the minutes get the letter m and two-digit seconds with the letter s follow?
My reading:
5h08
